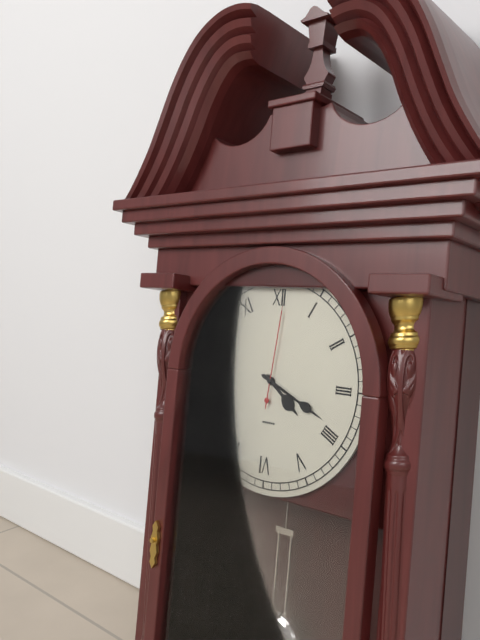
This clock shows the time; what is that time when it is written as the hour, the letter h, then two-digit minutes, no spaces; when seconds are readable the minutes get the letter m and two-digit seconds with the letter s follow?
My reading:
4h19m01s
